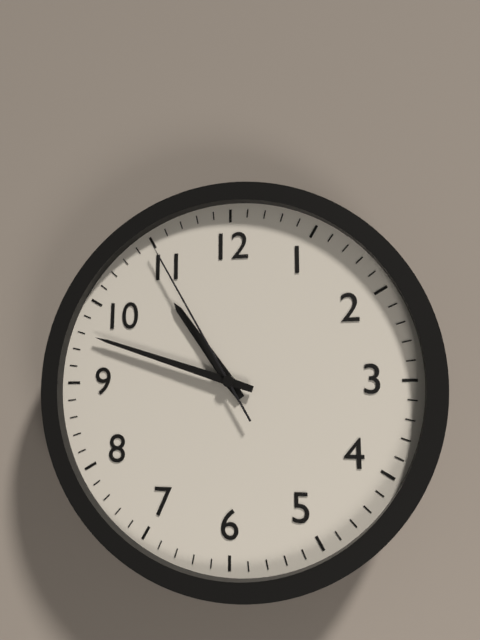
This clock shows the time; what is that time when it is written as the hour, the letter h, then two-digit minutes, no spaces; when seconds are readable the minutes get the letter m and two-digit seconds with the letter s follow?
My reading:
10h48m55s
